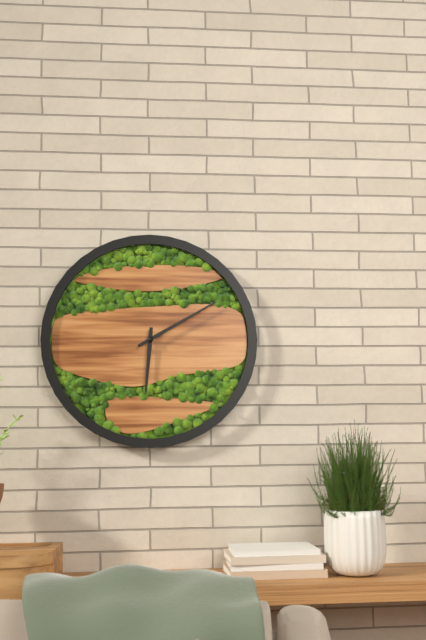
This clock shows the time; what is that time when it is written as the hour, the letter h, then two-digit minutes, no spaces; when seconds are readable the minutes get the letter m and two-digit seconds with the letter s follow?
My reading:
6h10
